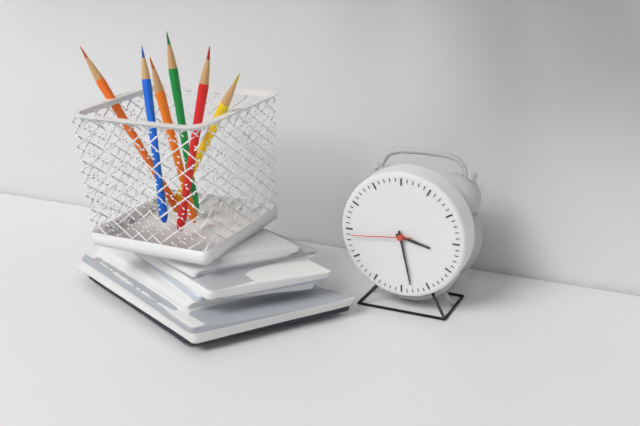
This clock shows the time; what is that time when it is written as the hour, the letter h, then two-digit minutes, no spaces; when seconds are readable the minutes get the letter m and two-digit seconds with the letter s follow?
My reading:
3h28m44s
